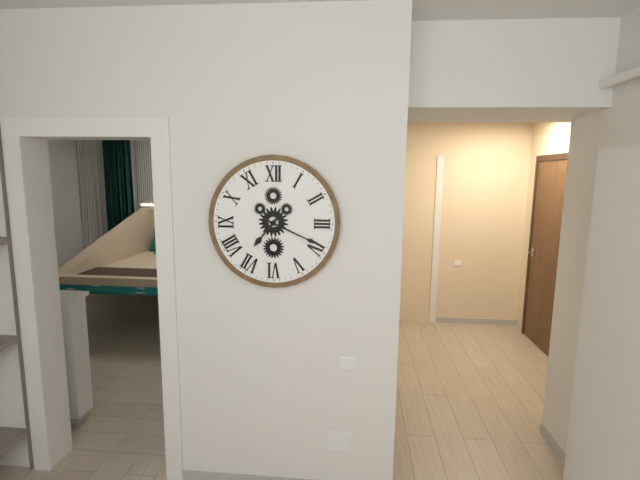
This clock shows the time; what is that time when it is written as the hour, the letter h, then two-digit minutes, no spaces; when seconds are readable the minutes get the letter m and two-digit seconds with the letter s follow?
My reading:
7h19
